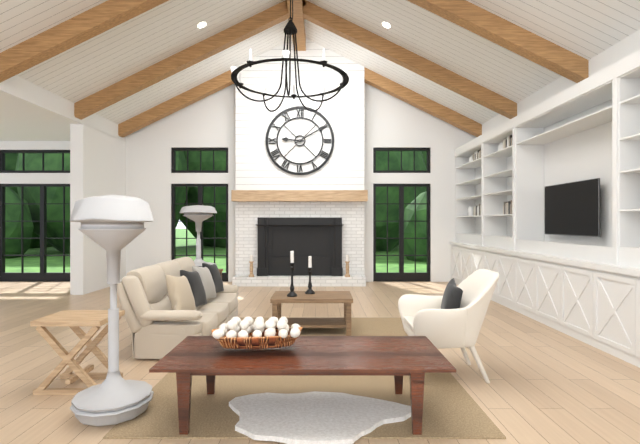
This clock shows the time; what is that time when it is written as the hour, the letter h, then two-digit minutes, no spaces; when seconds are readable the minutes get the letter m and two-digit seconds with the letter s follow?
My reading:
9h10
